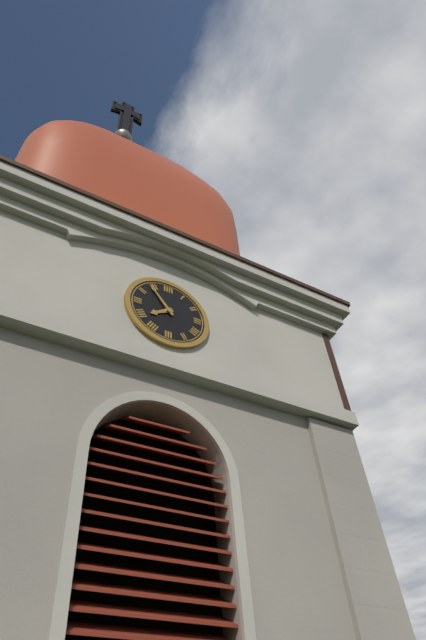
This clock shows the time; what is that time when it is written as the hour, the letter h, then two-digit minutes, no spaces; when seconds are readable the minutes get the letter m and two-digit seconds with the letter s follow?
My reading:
7h54
